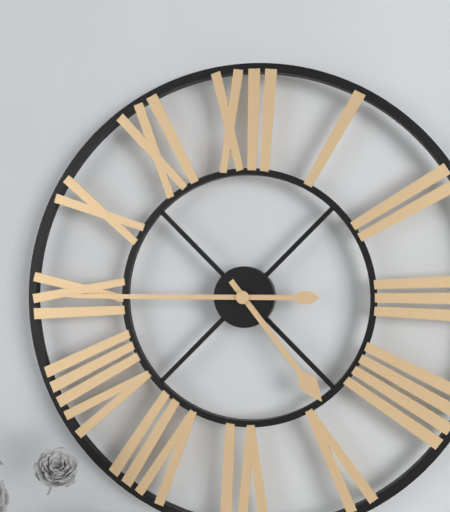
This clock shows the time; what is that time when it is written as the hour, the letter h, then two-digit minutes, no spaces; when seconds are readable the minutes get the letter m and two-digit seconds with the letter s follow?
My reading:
4h45
